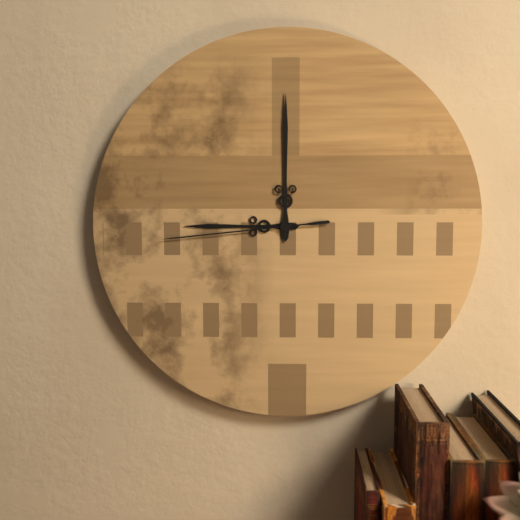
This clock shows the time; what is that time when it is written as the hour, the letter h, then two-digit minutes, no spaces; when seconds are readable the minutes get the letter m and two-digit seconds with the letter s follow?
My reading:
9h00m44s
